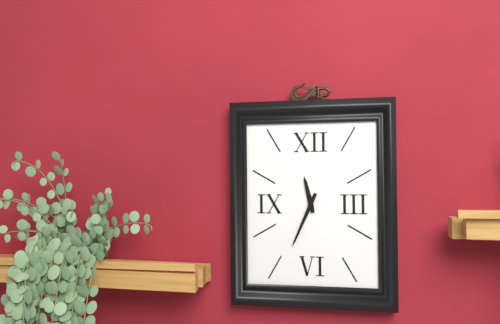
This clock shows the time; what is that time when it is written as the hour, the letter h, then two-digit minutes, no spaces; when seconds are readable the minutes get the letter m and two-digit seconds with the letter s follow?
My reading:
11h34
